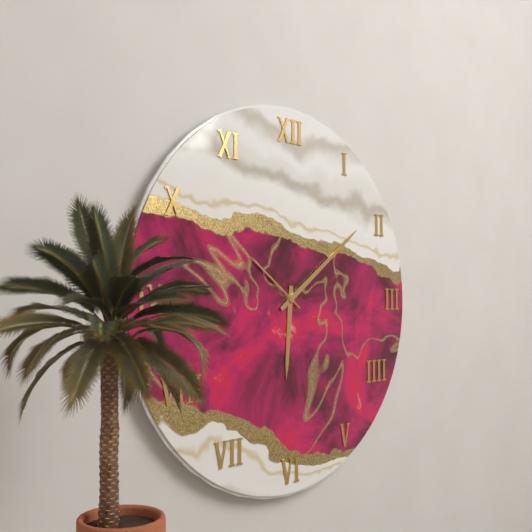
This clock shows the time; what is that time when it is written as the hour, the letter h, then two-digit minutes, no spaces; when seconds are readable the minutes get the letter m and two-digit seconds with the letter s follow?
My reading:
6h09m51s
